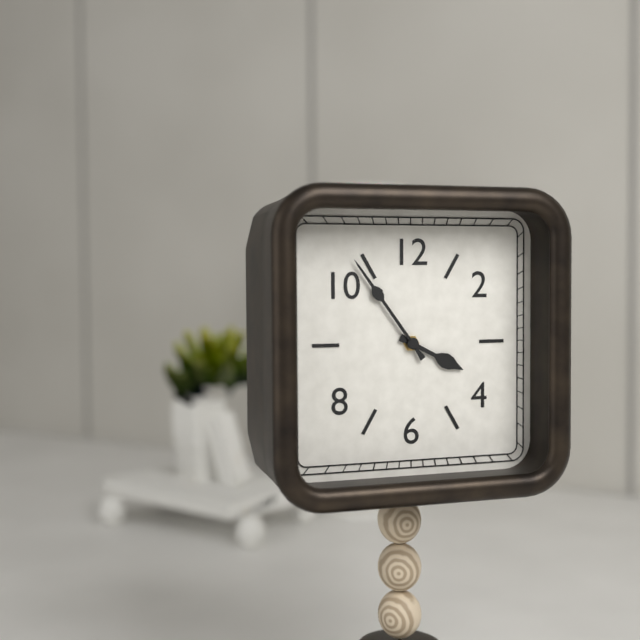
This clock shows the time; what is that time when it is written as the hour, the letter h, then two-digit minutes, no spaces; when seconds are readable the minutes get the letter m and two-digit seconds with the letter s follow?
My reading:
3h54
